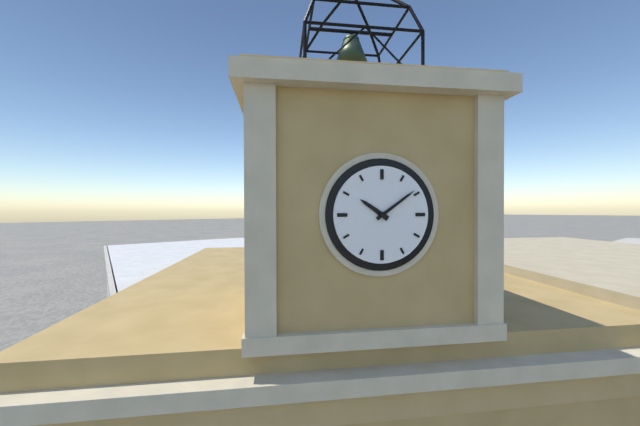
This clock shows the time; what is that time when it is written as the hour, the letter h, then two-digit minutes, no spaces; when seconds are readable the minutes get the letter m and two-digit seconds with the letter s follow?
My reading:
10h09
